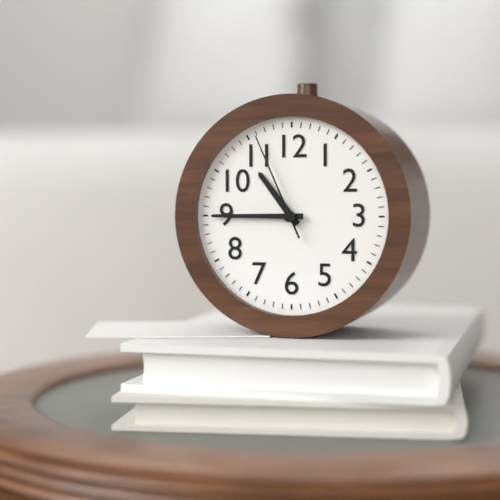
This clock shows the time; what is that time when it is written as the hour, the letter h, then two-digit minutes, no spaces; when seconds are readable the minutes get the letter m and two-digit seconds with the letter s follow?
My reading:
10h45m56s
